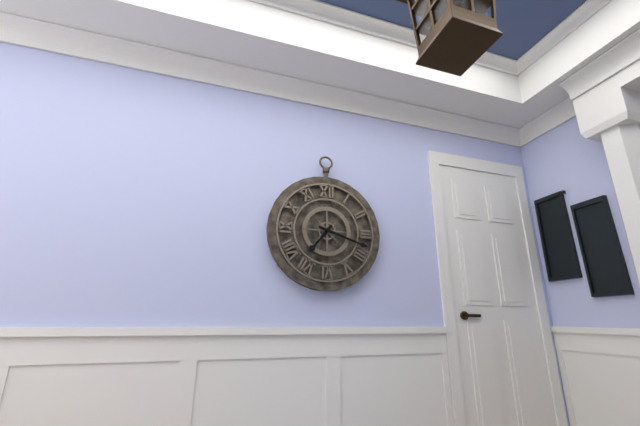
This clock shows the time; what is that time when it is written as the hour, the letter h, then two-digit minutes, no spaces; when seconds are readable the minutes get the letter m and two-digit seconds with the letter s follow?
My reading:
7h18
